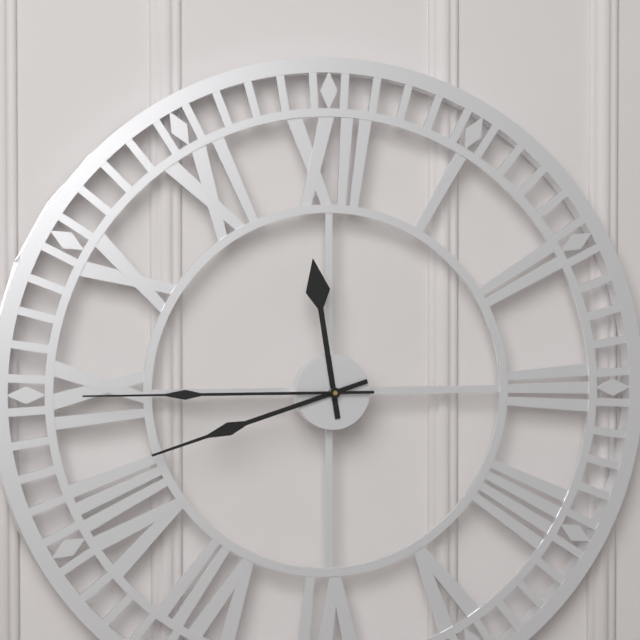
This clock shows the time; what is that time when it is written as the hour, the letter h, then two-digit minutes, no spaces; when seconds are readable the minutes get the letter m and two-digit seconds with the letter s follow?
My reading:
11h42m45s
